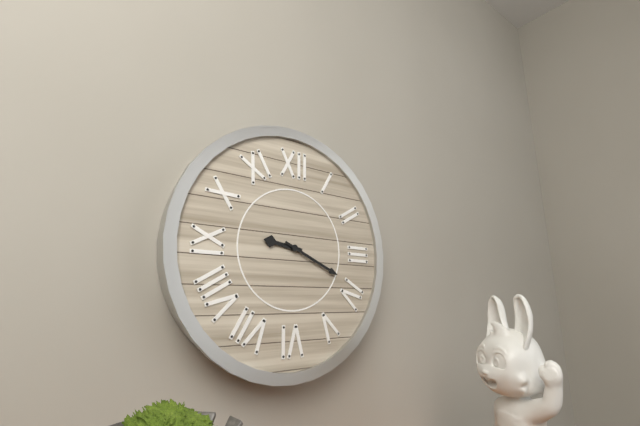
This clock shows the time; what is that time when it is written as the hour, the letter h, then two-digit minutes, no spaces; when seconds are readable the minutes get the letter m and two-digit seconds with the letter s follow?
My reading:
9h19
